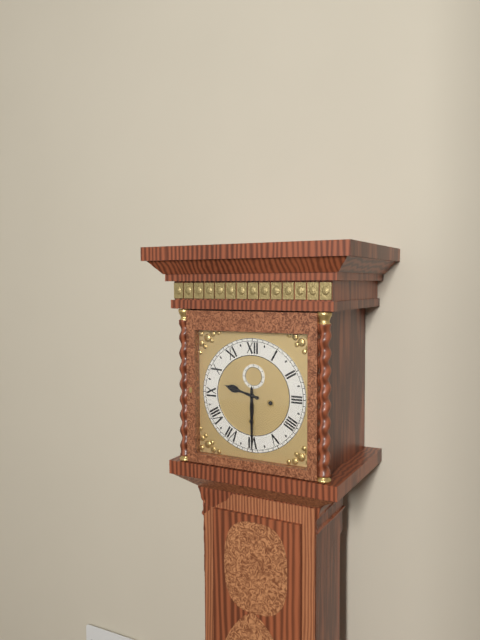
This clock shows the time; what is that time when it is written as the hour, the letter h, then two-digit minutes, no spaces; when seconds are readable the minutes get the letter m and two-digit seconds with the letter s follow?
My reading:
9h30
